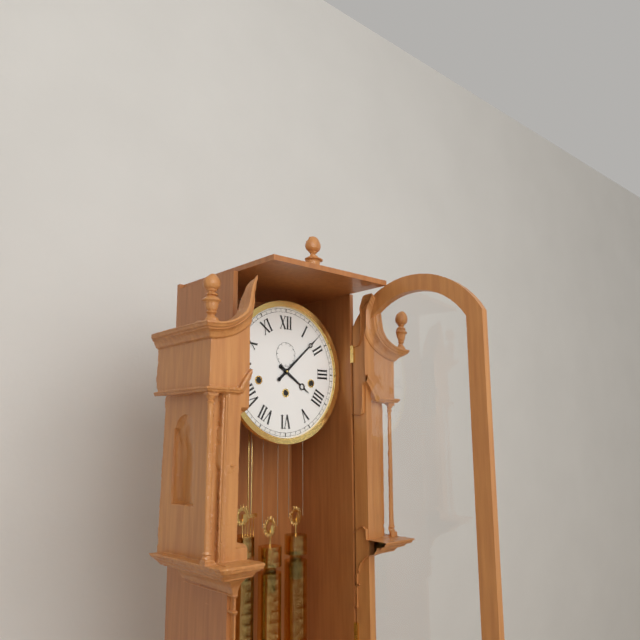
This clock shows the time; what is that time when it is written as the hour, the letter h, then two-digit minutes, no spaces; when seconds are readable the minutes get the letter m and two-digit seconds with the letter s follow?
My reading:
4h08
